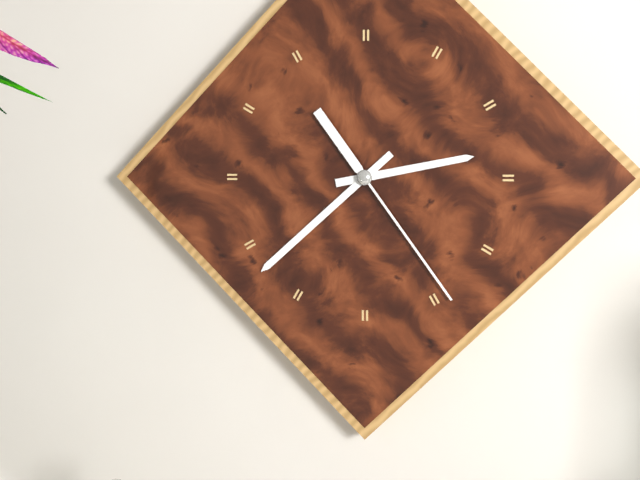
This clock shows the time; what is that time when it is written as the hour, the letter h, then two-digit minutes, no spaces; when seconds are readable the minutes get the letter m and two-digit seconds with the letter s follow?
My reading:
2h38m24s
